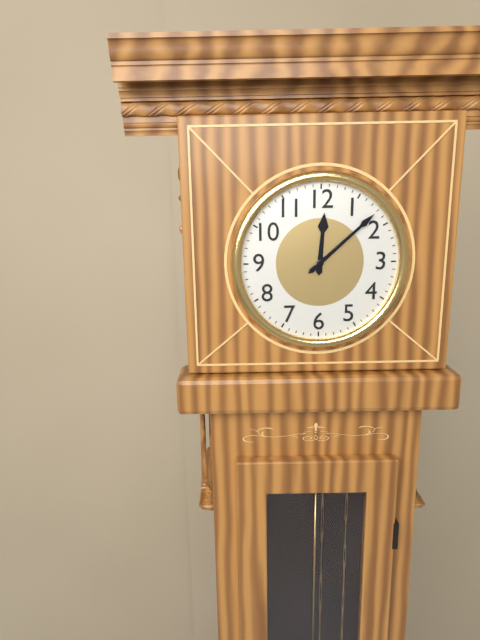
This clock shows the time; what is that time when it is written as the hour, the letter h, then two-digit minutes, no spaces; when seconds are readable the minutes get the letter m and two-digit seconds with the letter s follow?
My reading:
12h08
